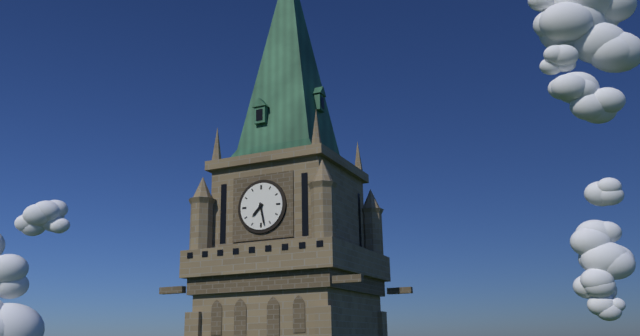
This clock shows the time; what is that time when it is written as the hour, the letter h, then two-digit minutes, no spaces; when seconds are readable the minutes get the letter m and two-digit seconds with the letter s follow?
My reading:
7h28
